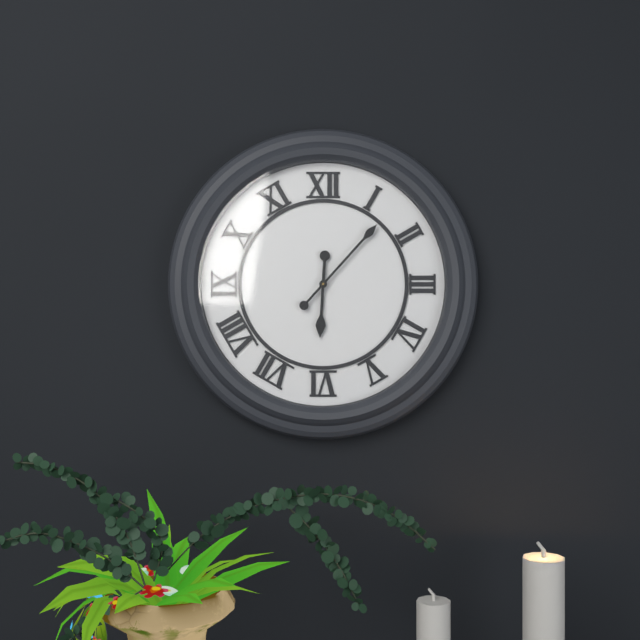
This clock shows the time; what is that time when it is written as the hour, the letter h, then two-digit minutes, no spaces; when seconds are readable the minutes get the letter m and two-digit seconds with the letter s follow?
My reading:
6h07
